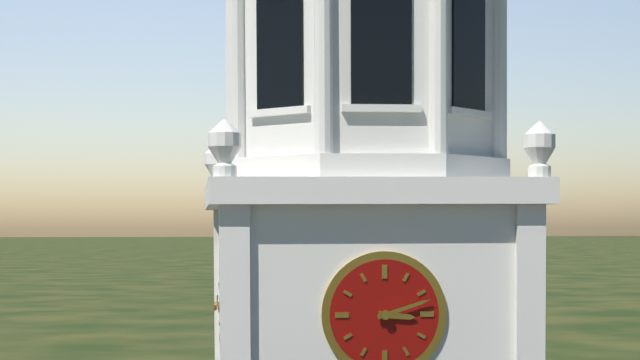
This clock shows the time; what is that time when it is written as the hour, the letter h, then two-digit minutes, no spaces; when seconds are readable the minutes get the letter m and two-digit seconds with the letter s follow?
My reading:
3h12
